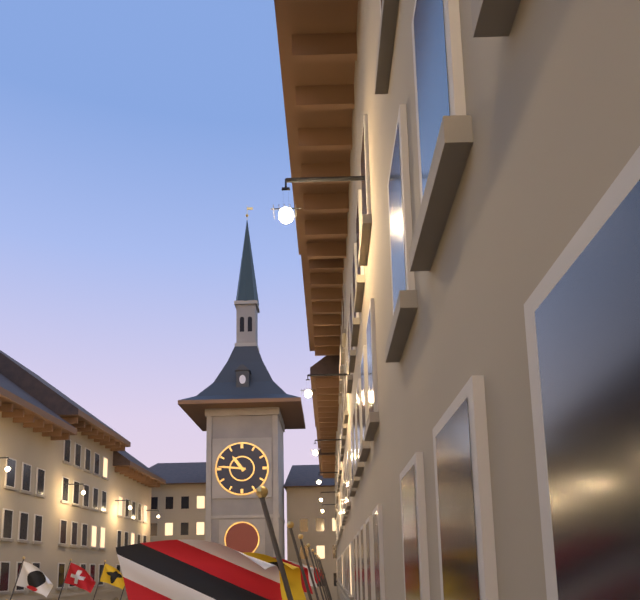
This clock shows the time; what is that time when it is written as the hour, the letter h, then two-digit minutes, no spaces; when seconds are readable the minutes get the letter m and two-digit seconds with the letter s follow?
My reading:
10h46
